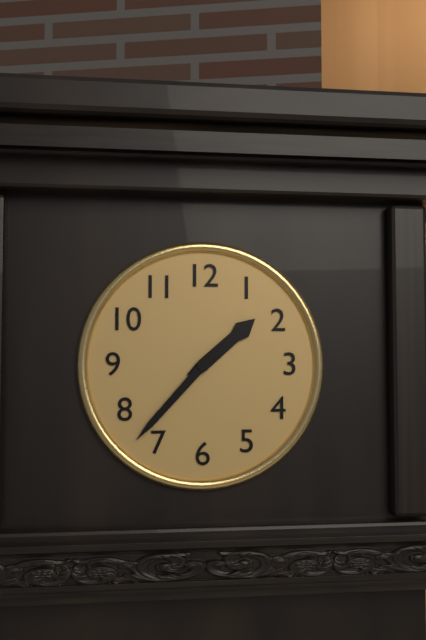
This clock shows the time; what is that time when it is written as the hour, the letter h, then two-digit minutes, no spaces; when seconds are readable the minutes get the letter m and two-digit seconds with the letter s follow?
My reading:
1h37
